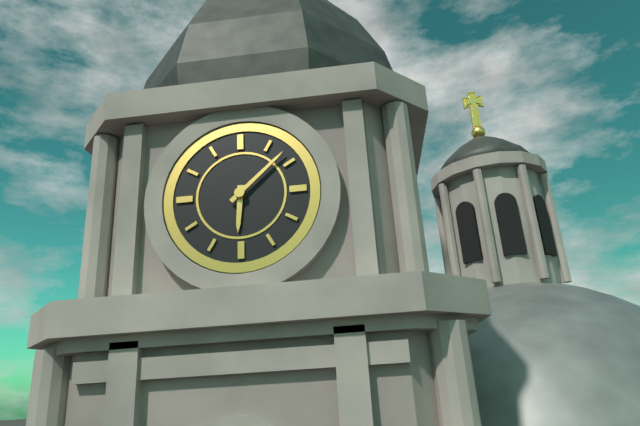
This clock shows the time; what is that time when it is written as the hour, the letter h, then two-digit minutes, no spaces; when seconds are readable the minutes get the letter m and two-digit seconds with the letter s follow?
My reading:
6h08
